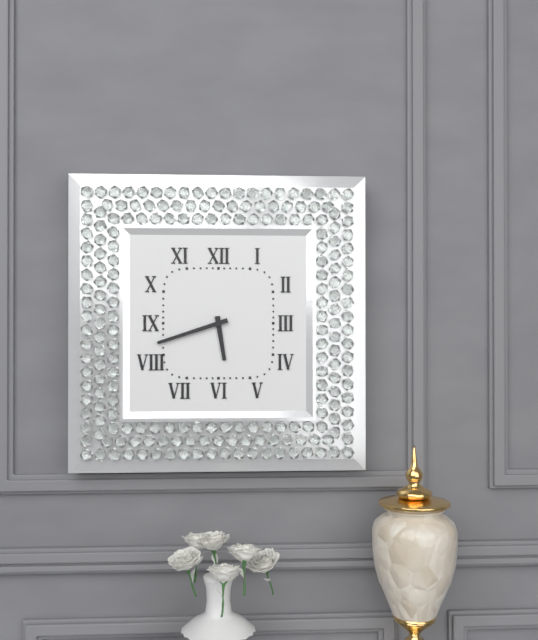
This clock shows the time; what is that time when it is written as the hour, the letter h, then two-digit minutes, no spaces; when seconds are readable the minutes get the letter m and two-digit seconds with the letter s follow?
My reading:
5h42
